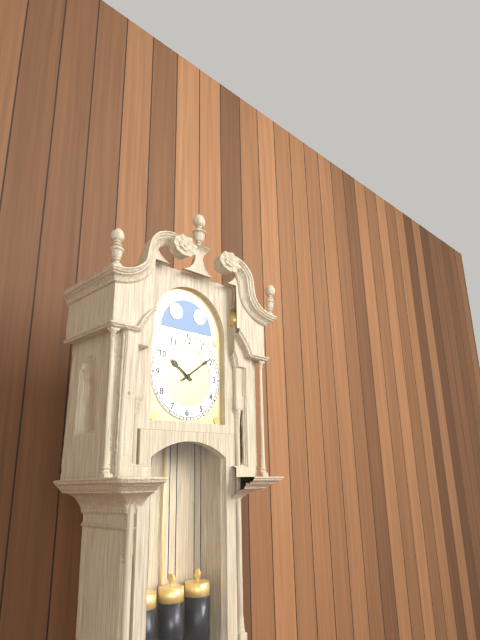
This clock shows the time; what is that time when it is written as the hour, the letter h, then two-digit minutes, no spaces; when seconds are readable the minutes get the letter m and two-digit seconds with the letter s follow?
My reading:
10h09
